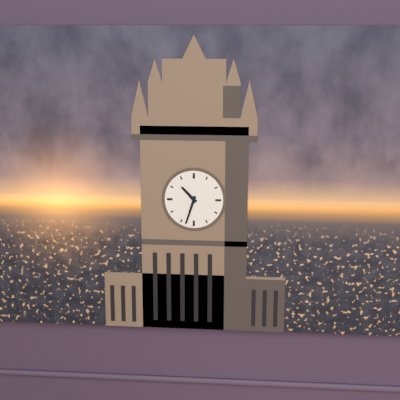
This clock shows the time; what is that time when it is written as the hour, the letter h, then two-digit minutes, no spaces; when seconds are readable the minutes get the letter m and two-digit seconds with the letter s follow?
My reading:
10h33
